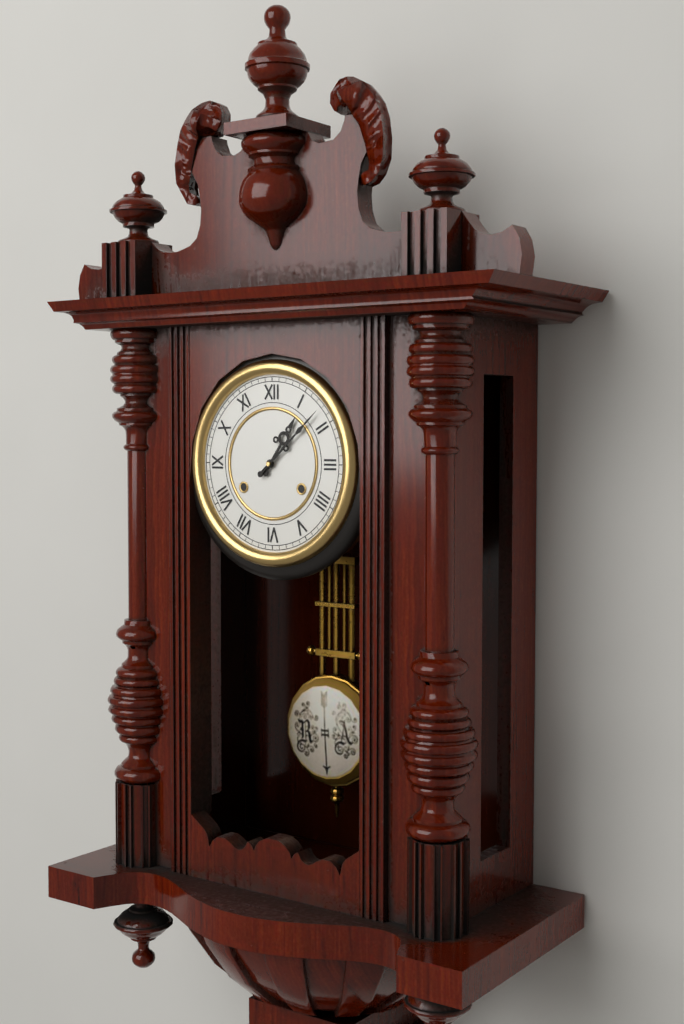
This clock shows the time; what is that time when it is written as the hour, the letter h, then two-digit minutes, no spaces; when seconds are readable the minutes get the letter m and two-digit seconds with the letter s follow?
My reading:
1h08
